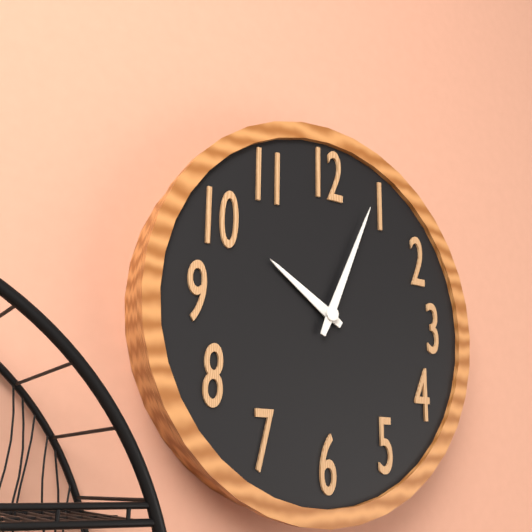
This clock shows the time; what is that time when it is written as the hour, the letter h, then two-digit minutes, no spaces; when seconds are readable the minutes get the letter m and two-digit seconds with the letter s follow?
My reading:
10h04
